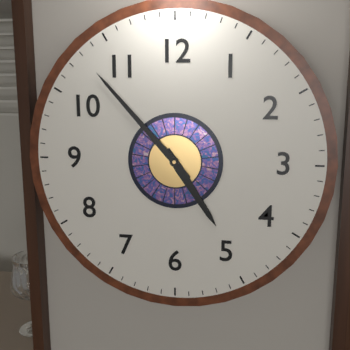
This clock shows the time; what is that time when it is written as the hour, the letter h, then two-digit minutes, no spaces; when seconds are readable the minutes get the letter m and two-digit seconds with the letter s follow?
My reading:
4h53
